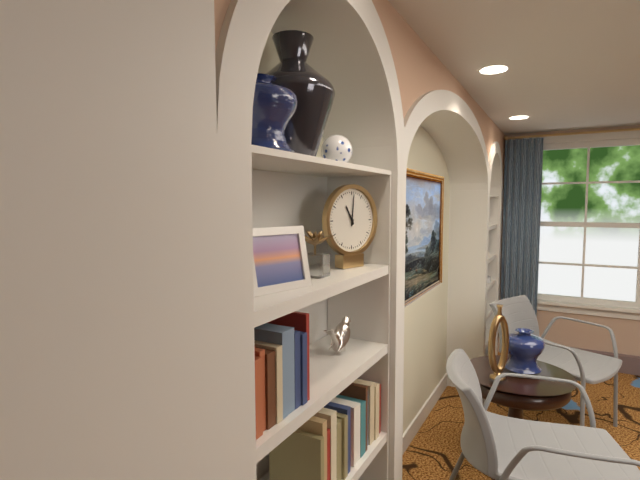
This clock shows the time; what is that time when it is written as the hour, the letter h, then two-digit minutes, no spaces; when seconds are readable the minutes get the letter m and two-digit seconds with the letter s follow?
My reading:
11h01
